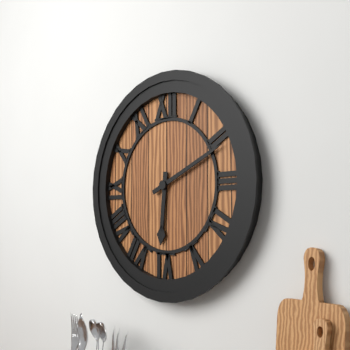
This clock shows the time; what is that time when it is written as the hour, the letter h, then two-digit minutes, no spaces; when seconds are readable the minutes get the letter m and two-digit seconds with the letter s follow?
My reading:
6h11
